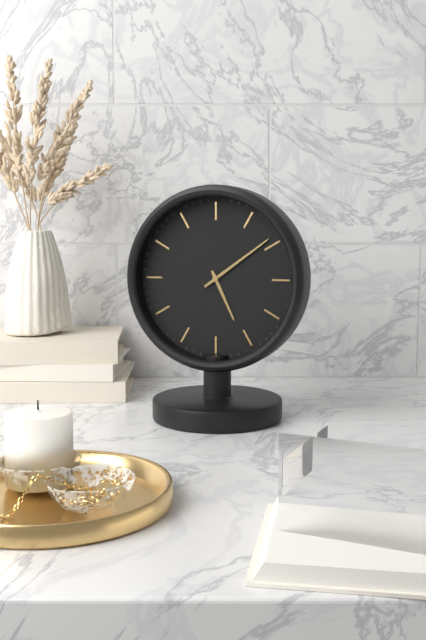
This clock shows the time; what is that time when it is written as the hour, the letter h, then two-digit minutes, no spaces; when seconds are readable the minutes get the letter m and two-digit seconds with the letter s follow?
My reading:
5h09
